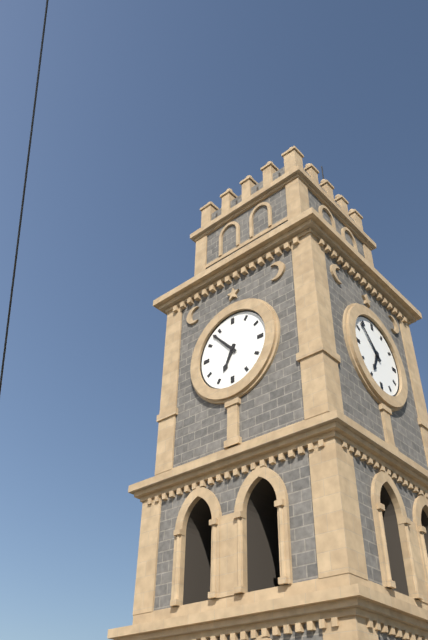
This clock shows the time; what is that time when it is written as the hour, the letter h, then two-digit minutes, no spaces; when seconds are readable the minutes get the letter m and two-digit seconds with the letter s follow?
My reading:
6h53
